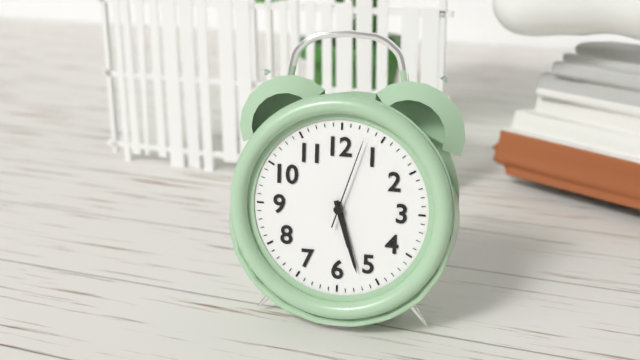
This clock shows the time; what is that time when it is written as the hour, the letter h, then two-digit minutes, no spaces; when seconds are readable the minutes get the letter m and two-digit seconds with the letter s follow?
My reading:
5h27m03s
